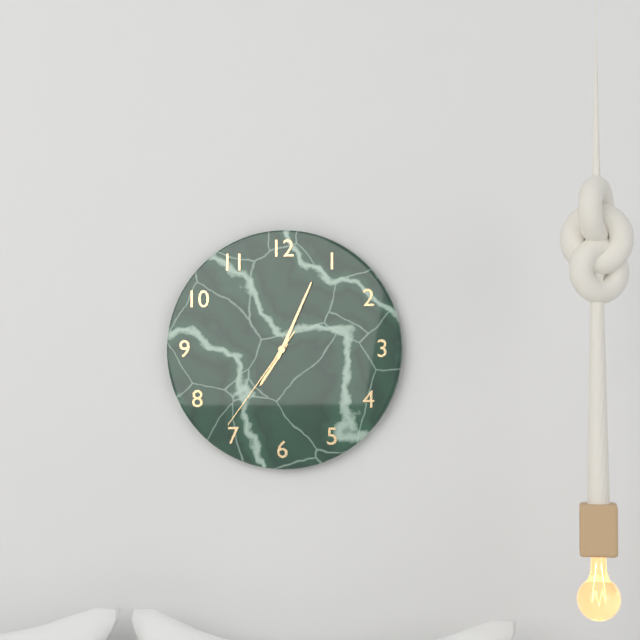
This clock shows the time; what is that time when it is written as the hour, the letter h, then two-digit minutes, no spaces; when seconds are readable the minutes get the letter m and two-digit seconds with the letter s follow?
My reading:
7h04m36s
